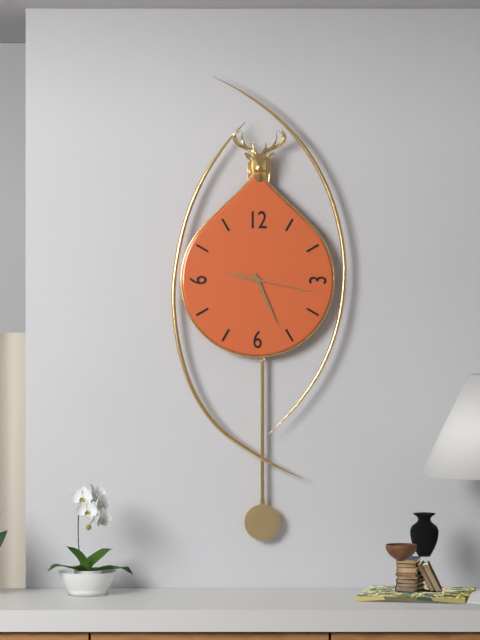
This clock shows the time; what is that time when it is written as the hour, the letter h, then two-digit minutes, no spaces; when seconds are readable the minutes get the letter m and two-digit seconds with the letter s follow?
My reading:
9h26m17s
